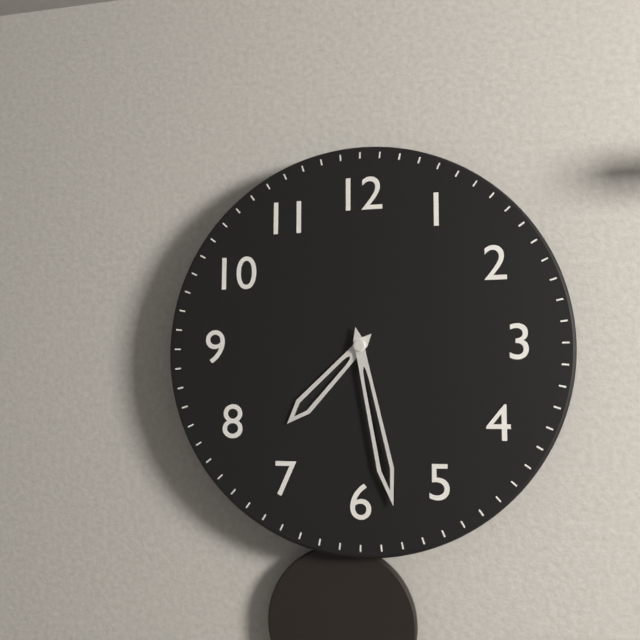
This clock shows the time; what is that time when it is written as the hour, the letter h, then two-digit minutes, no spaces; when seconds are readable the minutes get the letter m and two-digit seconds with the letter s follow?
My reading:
7h28
